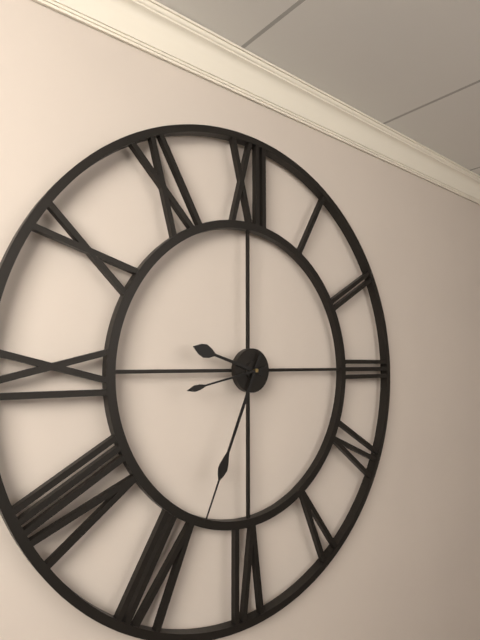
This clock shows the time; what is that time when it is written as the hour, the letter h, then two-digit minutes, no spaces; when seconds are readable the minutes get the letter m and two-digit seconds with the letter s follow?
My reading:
9h34m43s
